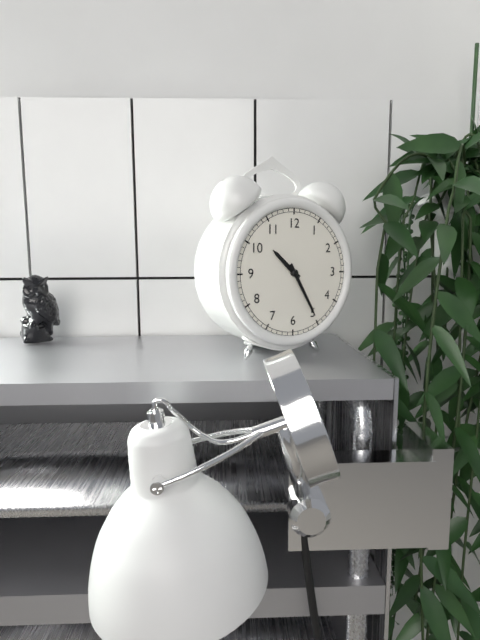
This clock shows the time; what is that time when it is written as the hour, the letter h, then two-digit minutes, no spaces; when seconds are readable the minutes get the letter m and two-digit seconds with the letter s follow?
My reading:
10h25
